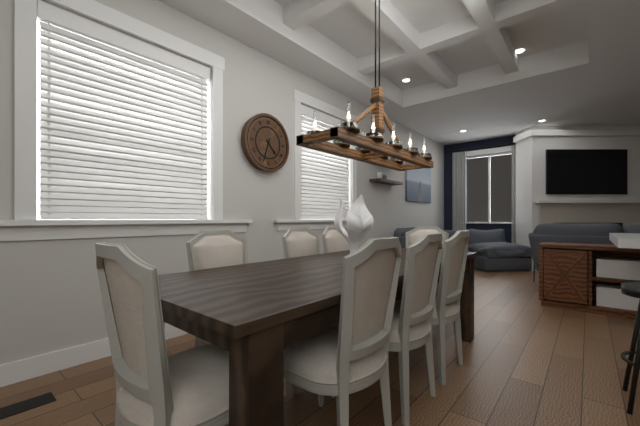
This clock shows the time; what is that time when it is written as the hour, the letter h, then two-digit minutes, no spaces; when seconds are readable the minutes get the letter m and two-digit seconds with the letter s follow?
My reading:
4h33
